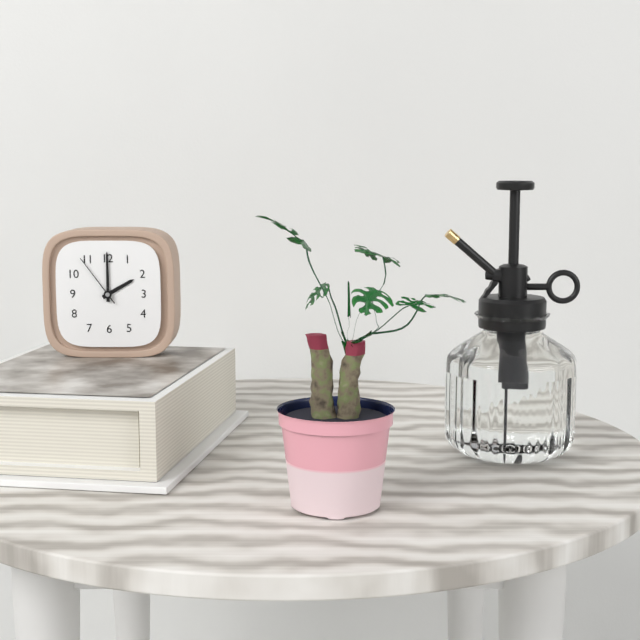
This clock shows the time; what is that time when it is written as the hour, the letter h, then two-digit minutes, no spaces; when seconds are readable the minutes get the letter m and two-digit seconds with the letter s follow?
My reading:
2h00m54s
